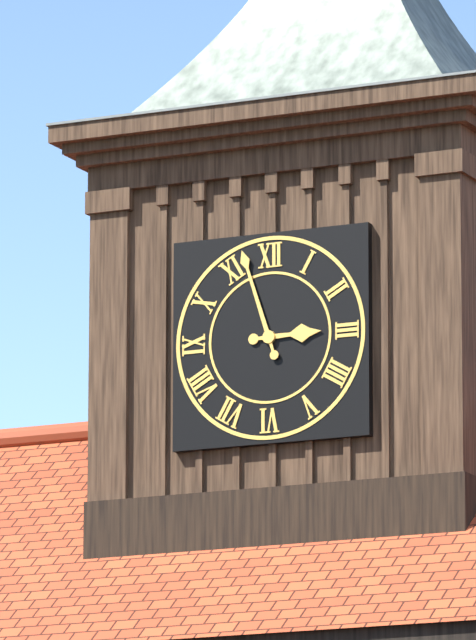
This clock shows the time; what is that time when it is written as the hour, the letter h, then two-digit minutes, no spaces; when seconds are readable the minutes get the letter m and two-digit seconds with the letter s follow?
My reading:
2h57
